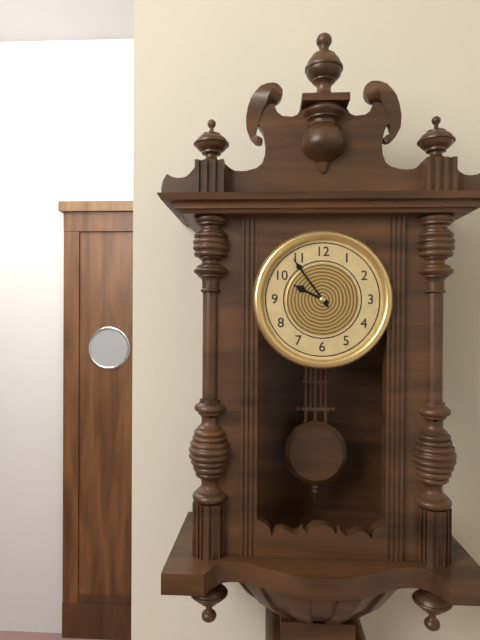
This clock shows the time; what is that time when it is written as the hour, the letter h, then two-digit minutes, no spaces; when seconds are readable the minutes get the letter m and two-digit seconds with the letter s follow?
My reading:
9h54
